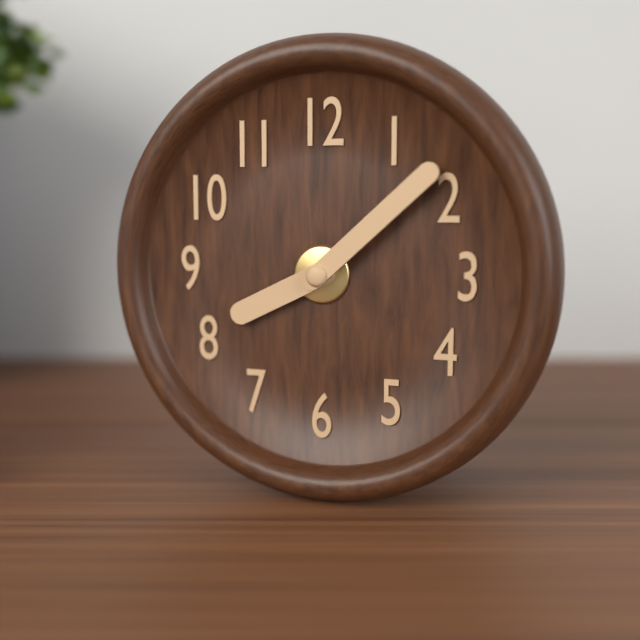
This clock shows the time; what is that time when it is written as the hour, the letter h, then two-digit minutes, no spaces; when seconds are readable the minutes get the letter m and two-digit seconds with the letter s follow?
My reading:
8h08
